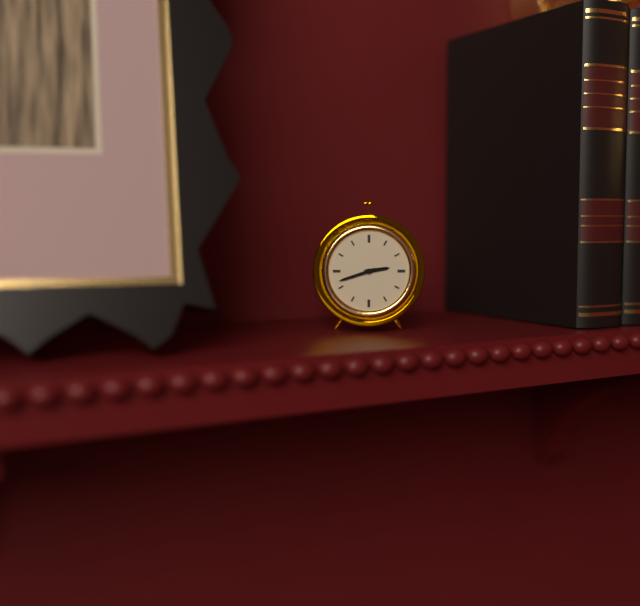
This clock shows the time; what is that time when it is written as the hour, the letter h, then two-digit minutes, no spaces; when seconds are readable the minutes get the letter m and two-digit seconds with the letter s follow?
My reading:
2h42
